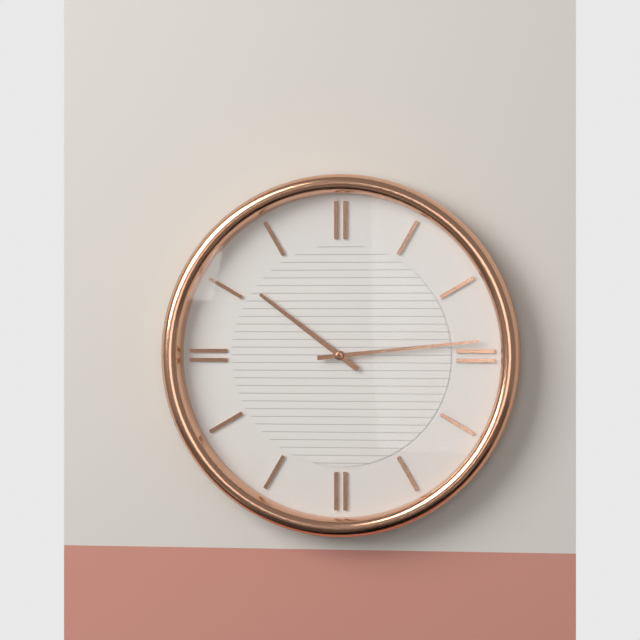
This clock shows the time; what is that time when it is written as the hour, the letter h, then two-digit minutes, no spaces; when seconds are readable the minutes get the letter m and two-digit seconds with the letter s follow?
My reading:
10h14
